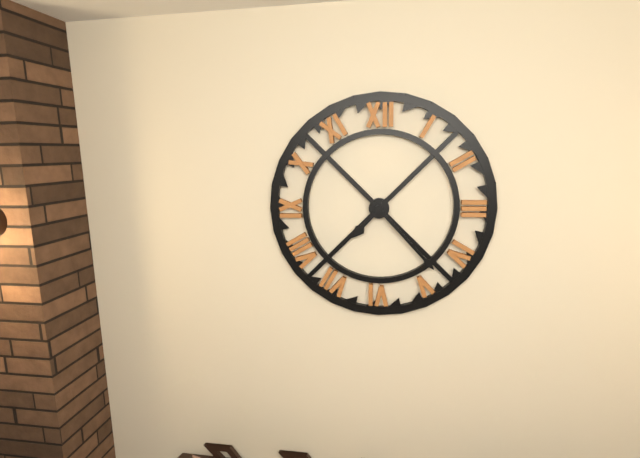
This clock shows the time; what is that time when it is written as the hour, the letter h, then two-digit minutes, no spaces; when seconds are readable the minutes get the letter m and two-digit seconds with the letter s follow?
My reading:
7h23
